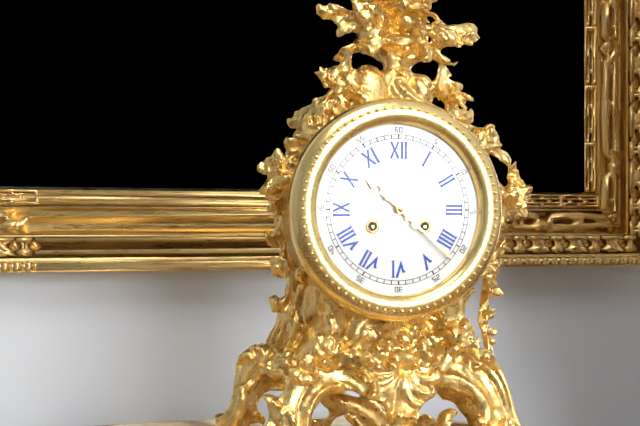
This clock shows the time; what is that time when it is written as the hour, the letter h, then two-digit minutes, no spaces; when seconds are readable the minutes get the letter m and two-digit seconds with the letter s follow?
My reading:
10h22
